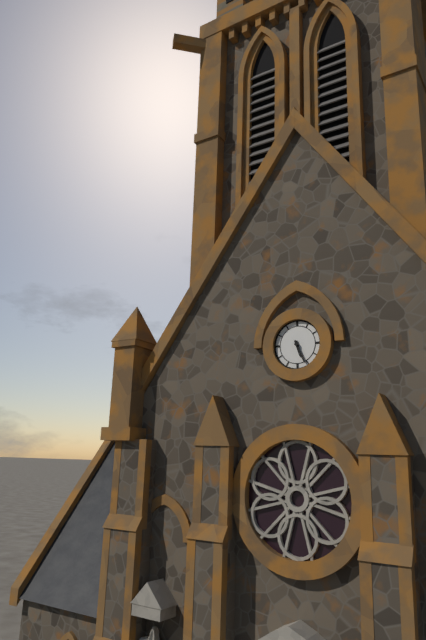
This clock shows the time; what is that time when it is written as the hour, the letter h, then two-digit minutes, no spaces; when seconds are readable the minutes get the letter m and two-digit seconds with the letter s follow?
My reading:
5h26
